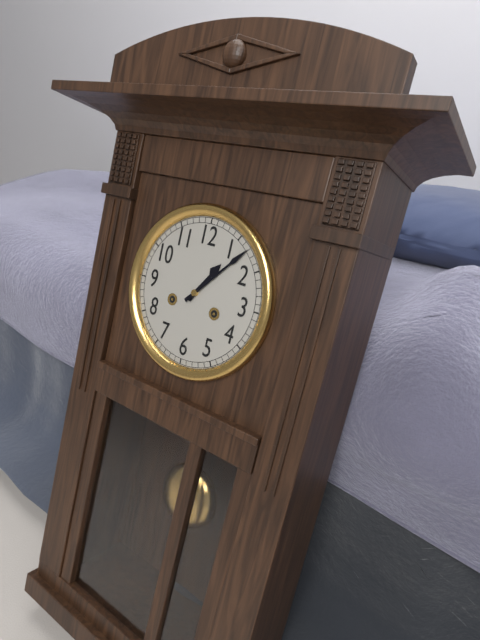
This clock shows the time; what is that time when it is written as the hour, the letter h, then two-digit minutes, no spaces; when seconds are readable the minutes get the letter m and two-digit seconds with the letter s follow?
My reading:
1h07
